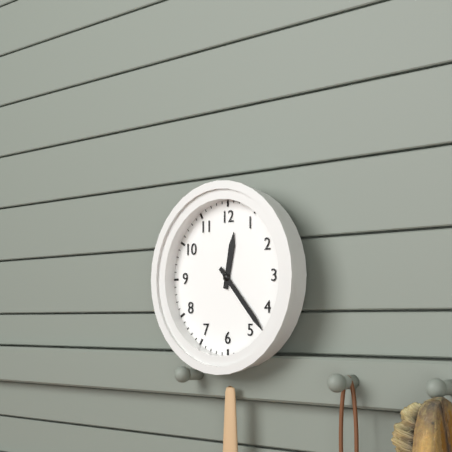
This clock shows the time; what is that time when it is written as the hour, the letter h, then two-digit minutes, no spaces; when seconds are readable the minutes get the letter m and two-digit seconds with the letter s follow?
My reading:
12h23
